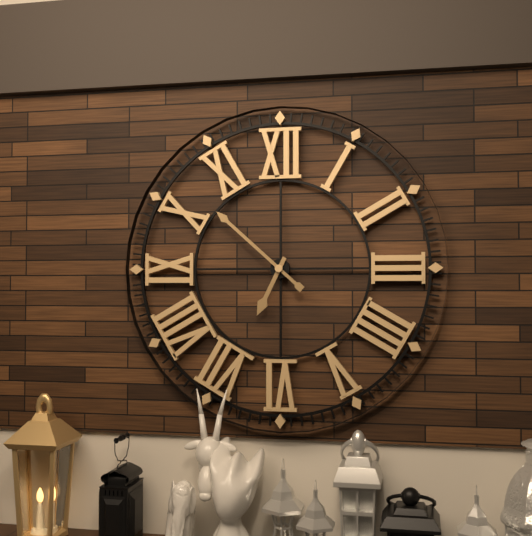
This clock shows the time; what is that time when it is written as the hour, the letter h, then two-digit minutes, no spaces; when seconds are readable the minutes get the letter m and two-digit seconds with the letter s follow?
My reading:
6h52
